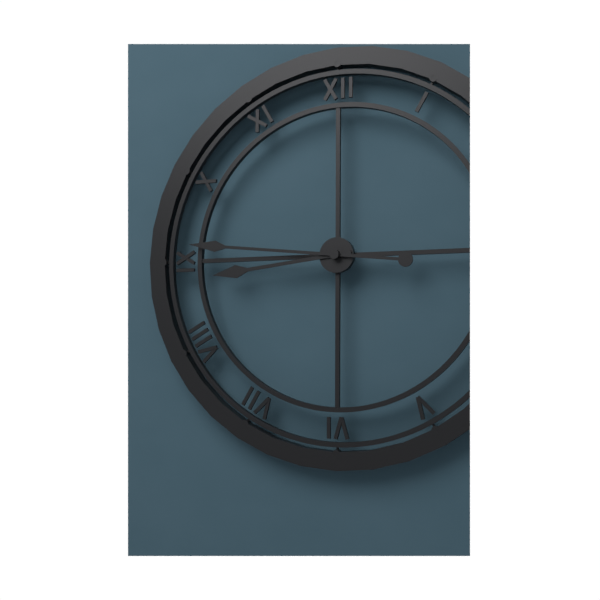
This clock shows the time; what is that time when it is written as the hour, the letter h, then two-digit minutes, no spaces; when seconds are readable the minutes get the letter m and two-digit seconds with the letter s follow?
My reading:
8h46
